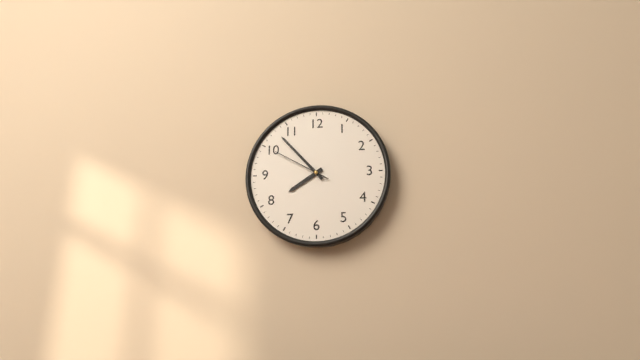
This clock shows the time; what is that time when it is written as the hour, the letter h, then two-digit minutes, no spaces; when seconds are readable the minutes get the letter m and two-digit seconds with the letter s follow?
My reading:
7h53m50s
